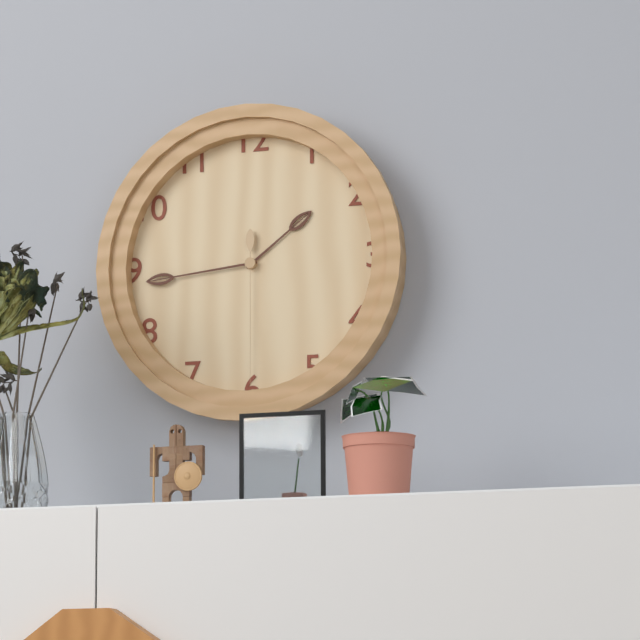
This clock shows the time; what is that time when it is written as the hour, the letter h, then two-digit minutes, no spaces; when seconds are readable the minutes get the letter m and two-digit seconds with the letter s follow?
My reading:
1h44m30s
